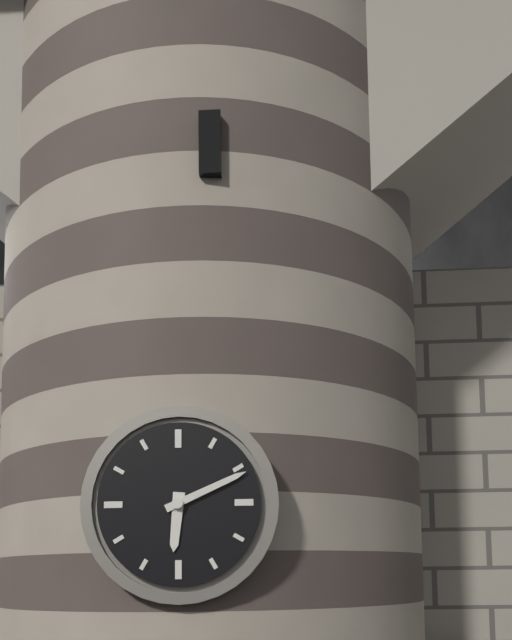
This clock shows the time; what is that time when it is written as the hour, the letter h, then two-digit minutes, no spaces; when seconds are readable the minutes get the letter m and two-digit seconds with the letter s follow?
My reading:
6h11
